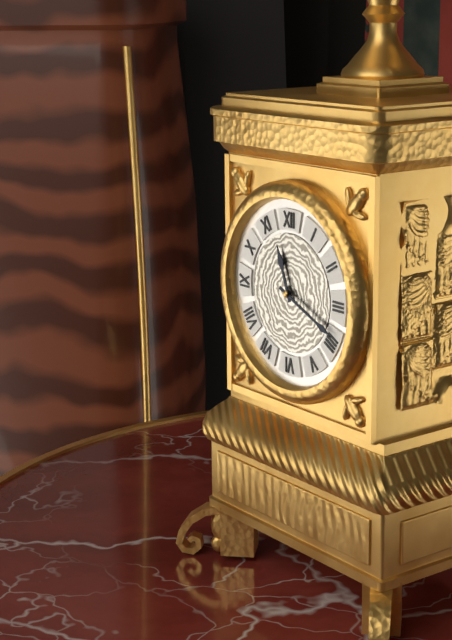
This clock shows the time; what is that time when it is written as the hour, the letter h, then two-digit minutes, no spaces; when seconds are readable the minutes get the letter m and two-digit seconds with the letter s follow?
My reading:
11h19
